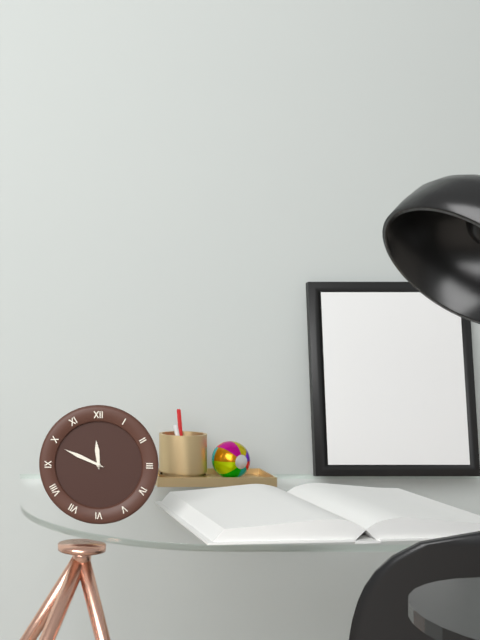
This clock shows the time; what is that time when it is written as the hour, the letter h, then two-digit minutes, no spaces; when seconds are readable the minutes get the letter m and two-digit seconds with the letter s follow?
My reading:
11h49
